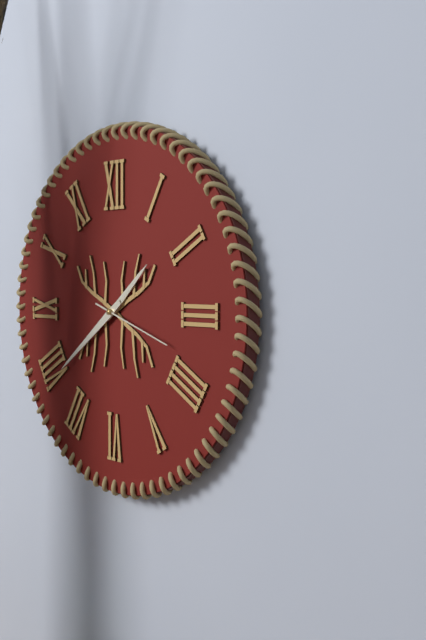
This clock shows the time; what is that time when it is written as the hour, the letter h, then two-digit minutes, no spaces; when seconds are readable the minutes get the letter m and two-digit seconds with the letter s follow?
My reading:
1h39m18s
